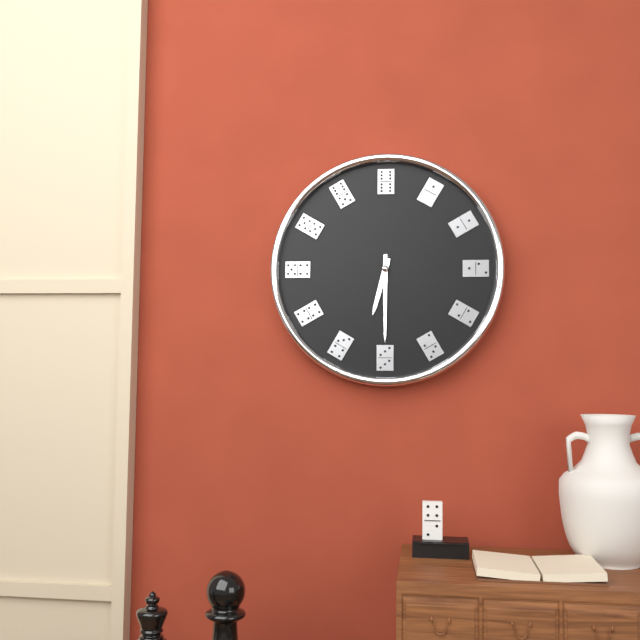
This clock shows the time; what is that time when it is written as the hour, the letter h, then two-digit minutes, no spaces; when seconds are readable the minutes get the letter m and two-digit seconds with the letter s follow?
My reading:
6h30
